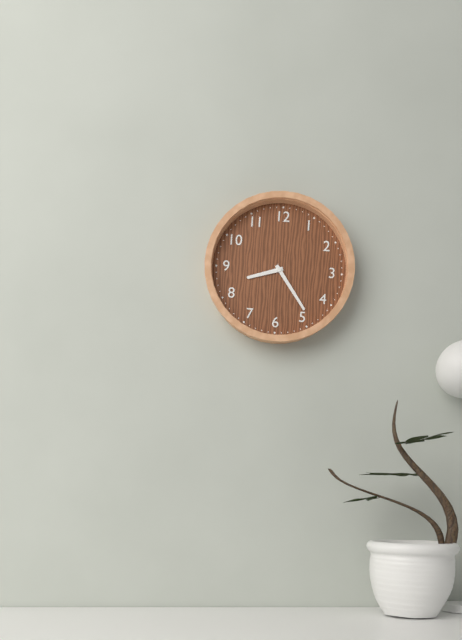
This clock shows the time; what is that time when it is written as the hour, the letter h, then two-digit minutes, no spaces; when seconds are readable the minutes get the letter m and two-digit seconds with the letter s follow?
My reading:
8h24
